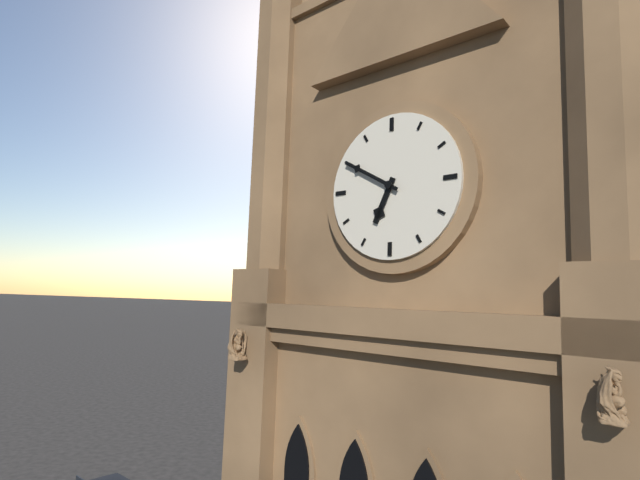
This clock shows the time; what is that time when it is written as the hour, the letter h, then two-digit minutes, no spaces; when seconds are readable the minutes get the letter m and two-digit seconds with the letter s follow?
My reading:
6h50
